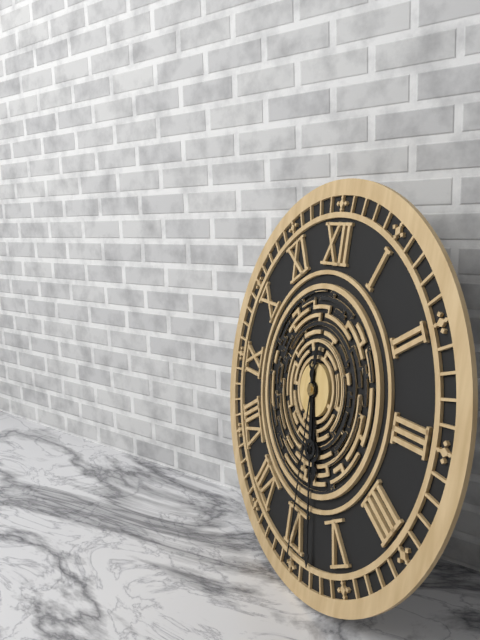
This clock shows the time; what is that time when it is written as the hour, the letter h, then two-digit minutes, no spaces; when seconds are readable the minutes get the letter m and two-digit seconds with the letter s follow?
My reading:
5h28m30s
